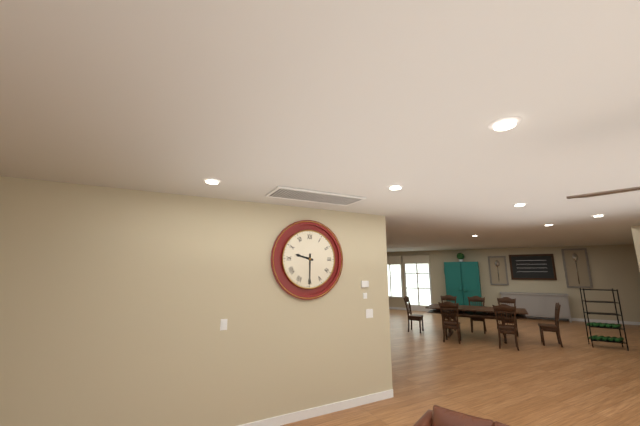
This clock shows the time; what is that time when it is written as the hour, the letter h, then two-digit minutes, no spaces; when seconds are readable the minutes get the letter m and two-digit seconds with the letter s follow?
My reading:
9h30
